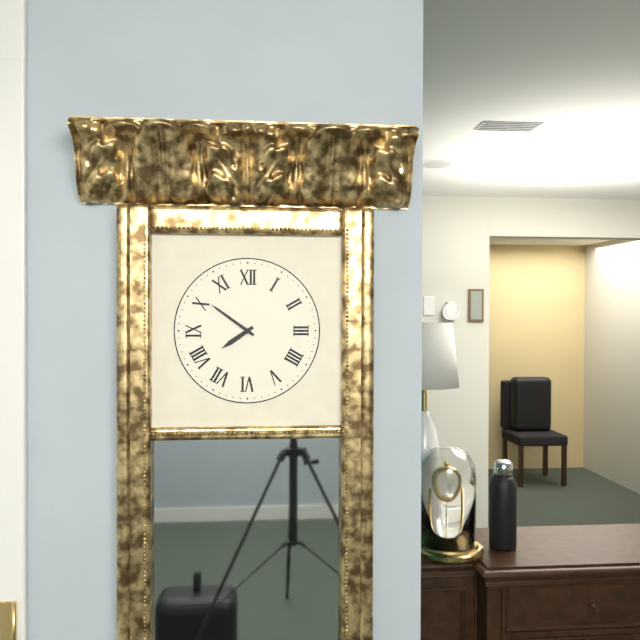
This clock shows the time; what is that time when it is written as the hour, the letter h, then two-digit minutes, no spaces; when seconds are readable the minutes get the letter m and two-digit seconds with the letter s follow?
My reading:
7h51
